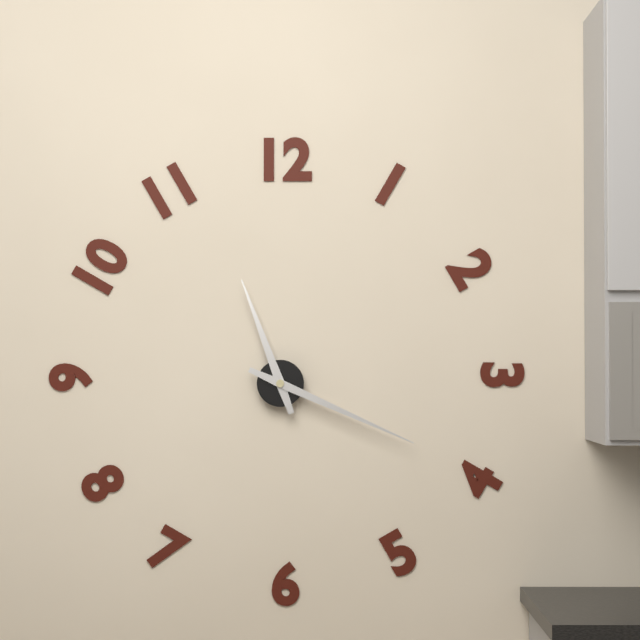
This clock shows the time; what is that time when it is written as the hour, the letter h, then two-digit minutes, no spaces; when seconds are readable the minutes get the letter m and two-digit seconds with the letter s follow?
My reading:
11h19
